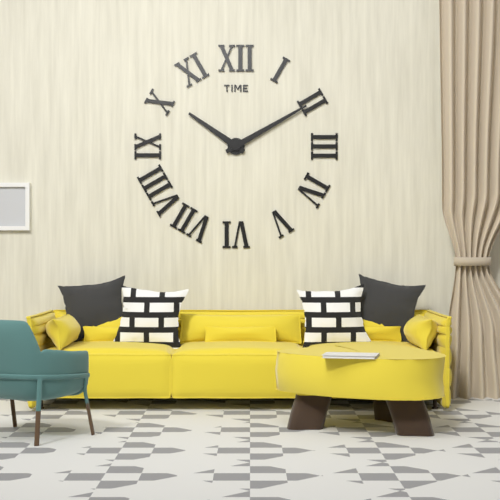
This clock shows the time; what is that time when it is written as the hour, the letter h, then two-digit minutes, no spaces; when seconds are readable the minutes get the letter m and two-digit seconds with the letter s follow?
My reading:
10h10
